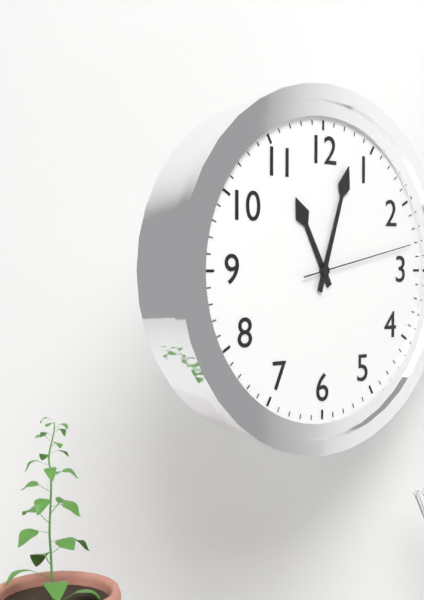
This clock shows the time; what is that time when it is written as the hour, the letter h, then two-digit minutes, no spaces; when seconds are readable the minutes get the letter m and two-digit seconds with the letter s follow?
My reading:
11h03m13s
